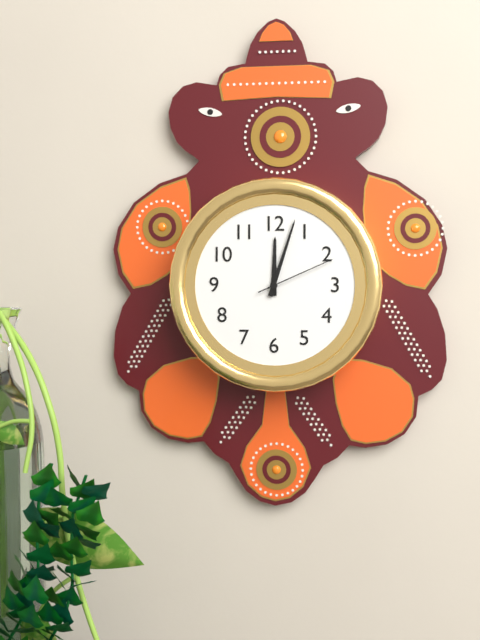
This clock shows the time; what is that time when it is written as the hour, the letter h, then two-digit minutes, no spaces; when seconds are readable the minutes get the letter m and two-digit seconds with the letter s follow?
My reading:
12h03m11s
